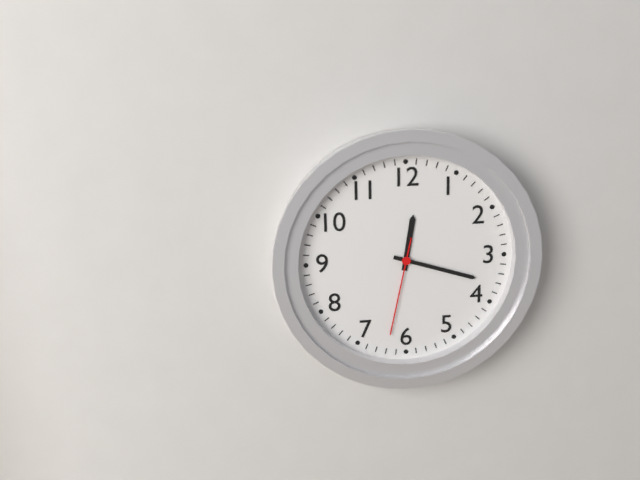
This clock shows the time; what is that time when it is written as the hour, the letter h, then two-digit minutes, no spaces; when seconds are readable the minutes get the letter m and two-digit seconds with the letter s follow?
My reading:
12h18m32s
